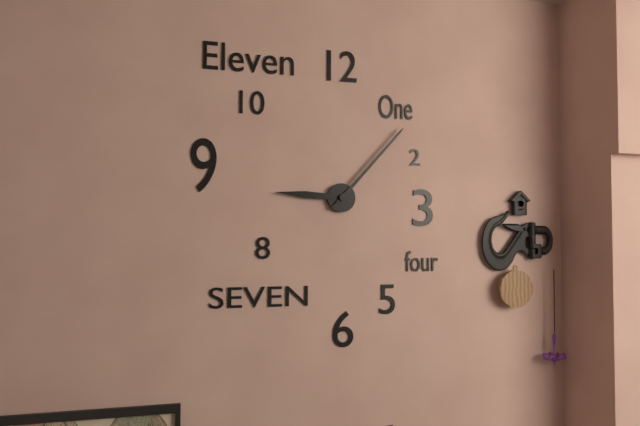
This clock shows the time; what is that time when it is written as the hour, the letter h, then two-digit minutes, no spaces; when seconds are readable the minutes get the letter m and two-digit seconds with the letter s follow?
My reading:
9h07
